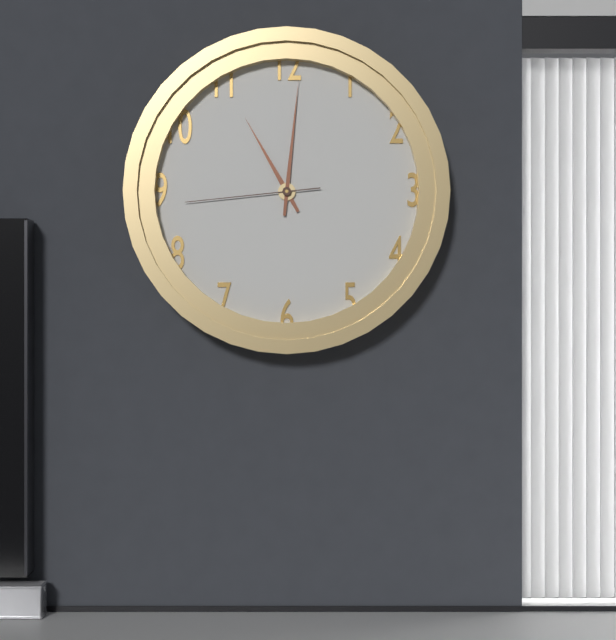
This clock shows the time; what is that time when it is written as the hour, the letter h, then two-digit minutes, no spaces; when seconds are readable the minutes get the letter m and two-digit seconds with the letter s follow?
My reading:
11h01m44s
